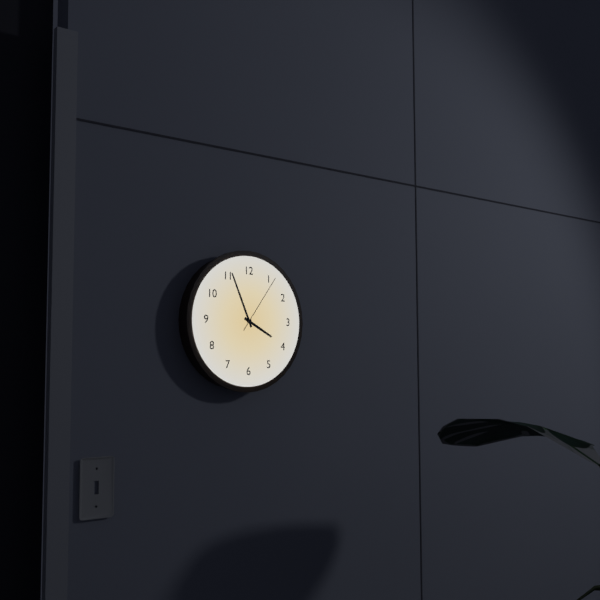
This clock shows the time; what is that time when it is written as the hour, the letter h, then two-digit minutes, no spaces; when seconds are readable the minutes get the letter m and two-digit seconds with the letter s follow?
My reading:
3h56m06s
